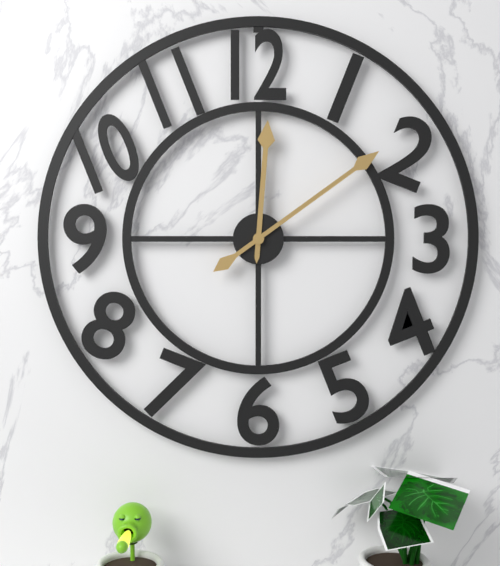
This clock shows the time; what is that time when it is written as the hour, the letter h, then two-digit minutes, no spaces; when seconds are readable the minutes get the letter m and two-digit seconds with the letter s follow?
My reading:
12h09
